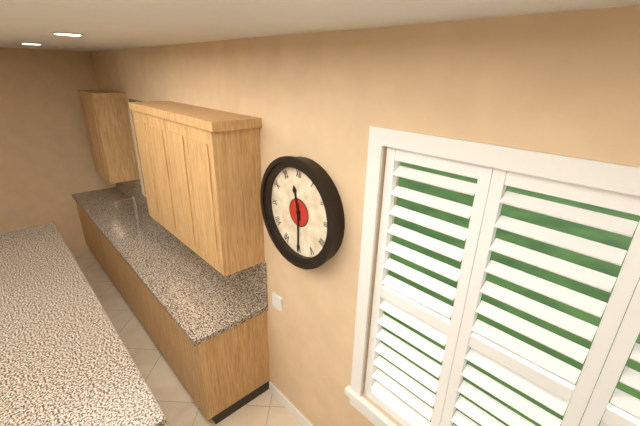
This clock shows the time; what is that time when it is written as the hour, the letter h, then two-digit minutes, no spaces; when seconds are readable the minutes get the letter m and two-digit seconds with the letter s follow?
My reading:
11h30
